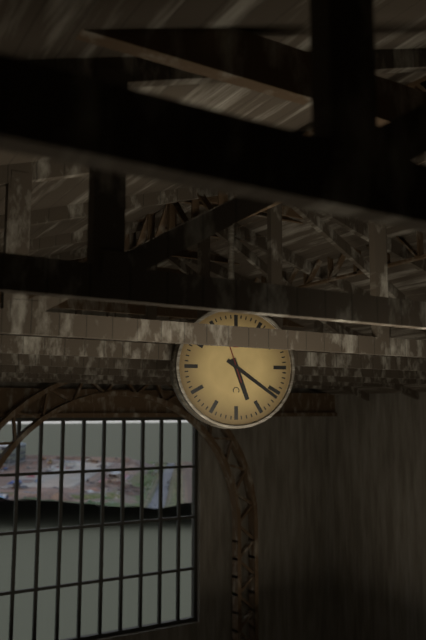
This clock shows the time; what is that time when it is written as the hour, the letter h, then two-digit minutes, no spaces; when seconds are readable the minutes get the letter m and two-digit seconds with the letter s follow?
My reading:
5h21
